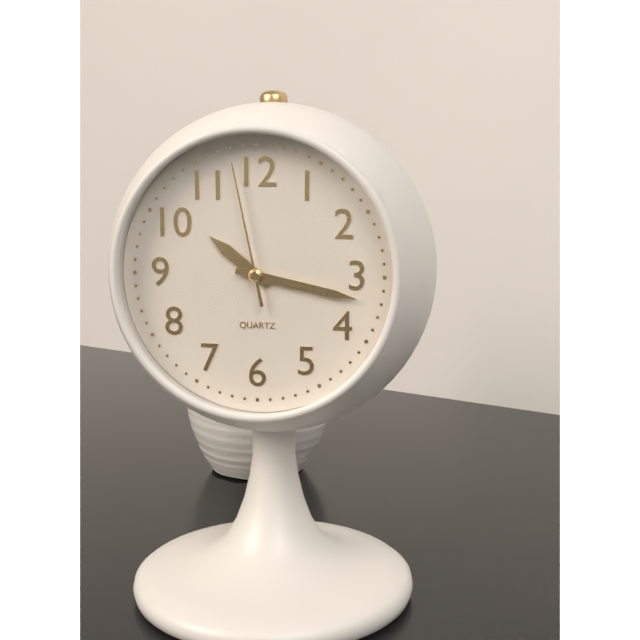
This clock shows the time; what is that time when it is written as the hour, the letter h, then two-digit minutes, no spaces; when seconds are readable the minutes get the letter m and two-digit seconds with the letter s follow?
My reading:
10h17m58s
